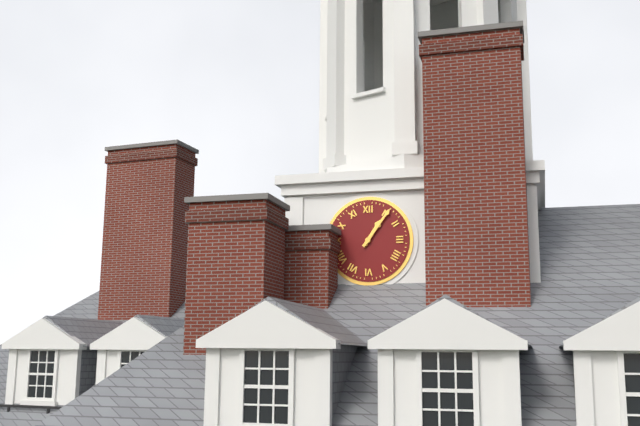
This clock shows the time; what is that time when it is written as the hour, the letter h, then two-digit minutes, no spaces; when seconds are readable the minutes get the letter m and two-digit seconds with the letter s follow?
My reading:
1h06
